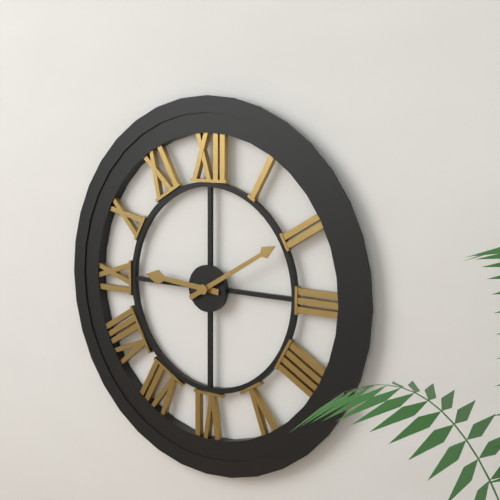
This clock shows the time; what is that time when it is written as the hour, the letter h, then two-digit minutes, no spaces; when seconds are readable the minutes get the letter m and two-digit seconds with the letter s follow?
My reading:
9h10
